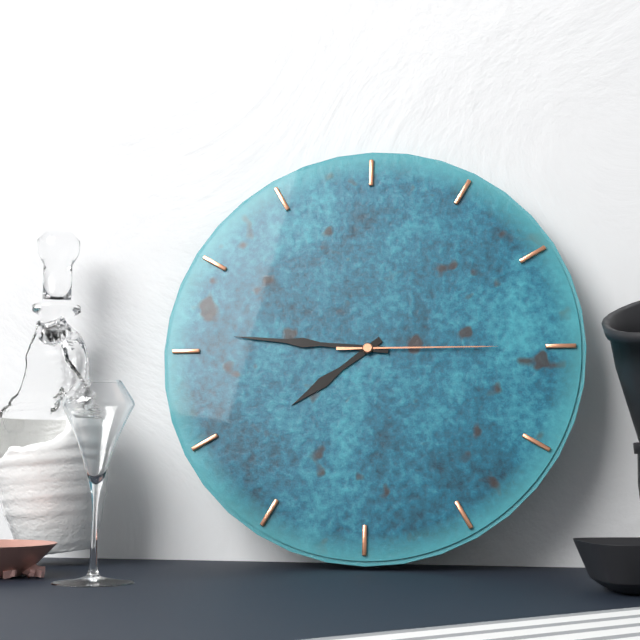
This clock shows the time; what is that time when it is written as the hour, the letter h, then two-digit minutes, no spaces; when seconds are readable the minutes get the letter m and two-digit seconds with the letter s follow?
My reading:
7h46m15s
